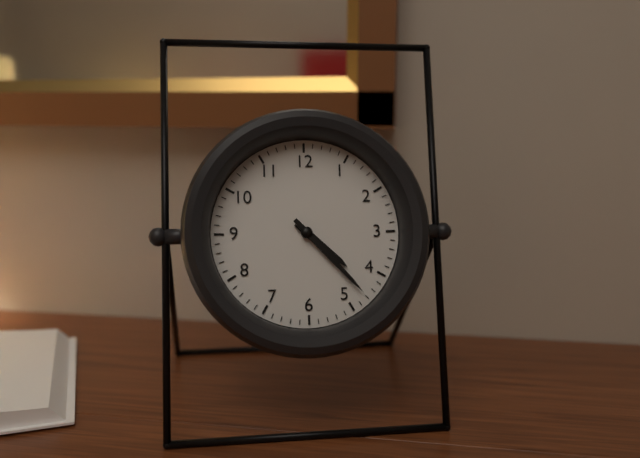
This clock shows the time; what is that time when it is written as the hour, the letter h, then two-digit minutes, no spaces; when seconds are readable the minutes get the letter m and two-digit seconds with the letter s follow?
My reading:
4h23
